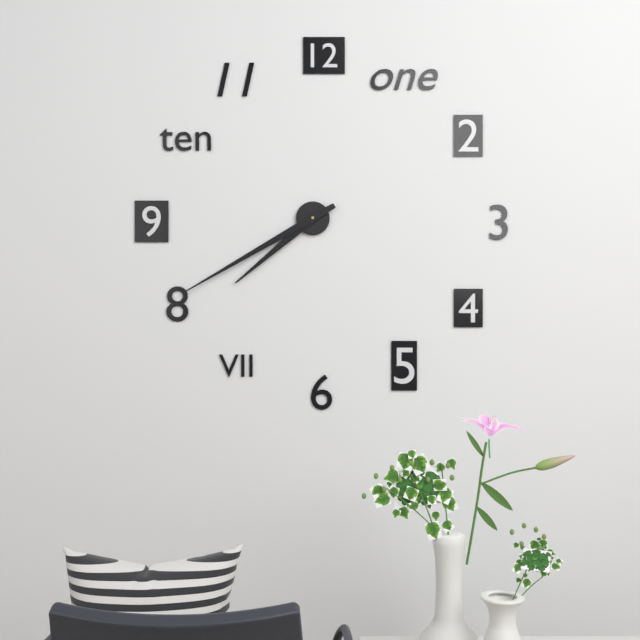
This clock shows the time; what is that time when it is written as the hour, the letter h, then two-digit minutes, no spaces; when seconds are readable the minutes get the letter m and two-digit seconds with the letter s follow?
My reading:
7h40
